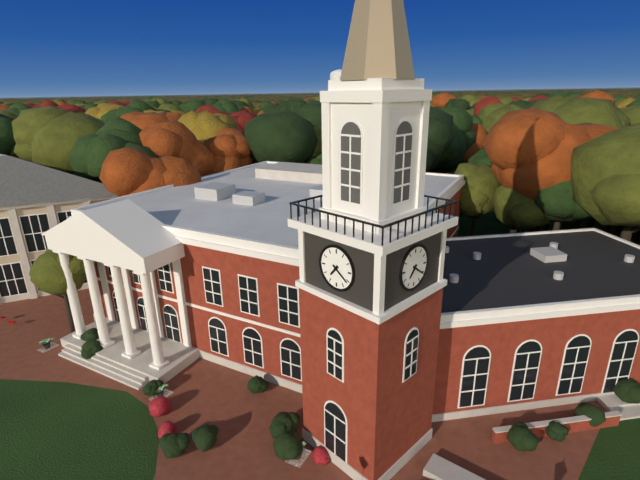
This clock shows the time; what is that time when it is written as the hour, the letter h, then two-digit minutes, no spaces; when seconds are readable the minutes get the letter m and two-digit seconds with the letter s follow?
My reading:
7h21
